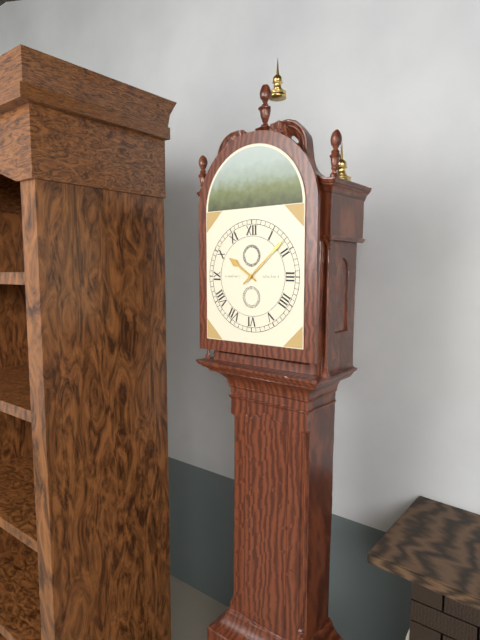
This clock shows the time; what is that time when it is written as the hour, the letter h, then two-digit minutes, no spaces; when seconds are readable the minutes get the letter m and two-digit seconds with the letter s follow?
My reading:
10h08
